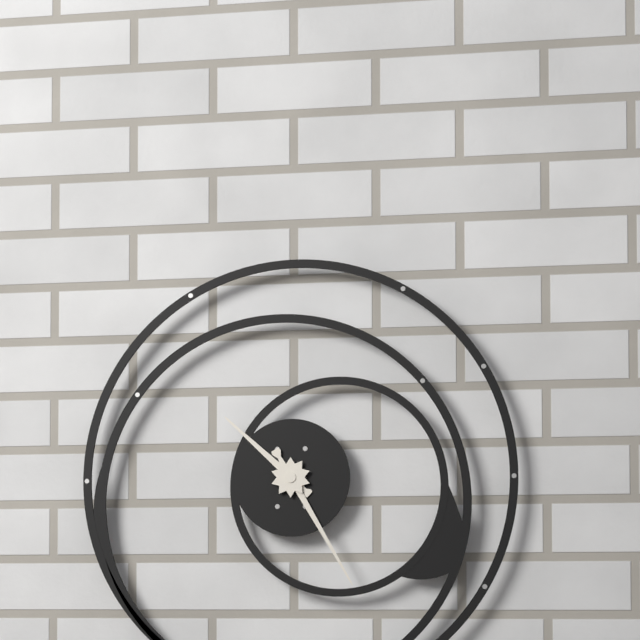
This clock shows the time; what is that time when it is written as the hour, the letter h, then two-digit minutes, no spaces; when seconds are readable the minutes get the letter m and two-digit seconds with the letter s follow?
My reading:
10h25
